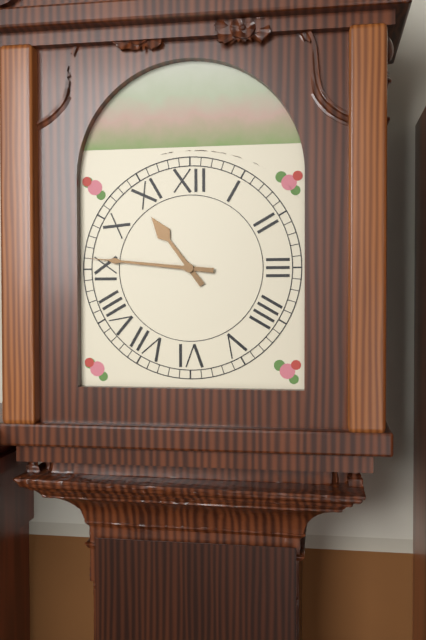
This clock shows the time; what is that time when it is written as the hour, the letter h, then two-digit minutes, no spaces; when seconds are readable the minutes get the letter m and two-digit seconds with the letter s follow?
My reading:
10h46
